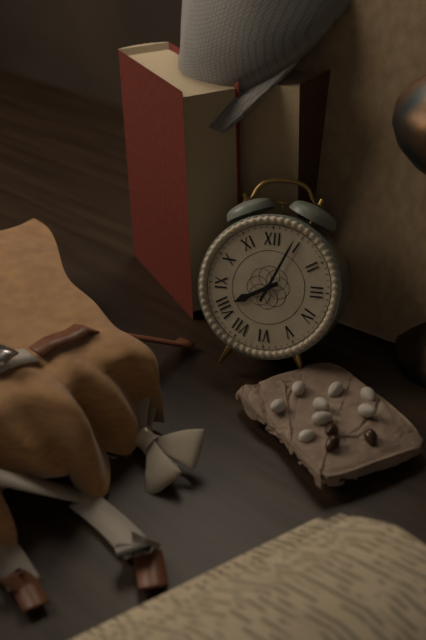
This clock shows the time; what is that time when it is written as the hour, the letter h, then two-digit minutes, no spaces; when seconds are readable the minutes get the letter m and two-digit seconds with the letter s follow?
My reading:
8h04
